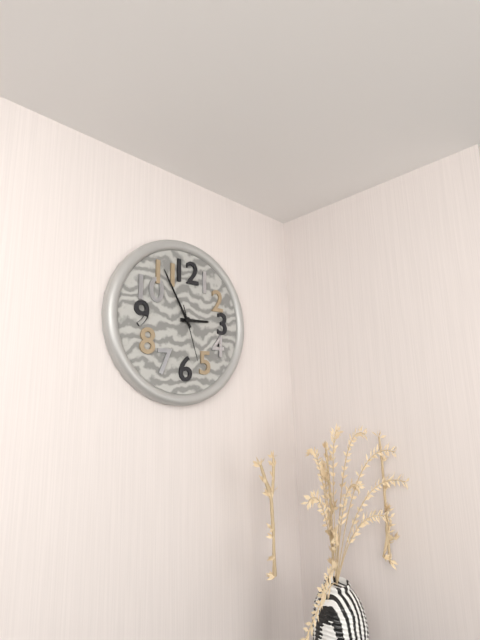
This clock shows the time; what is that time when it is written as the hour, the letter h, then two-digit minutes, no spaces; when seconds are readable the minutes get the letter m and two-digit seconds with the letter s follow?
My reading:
2h55m27s
